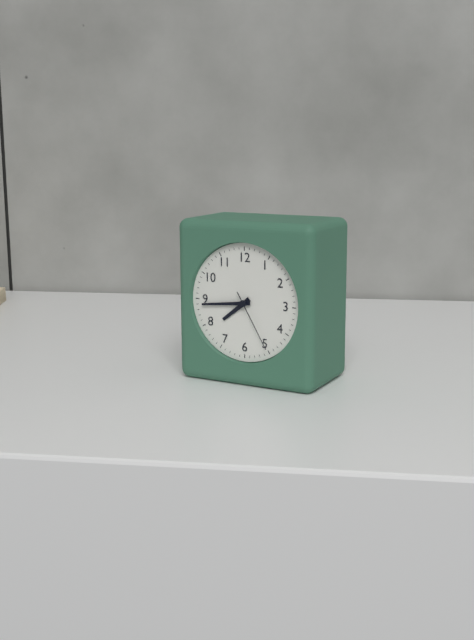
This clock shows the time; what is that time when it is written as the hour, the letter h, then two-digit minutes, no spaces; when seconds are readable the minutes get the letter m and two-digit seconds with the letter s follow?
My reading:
7h44m25s
